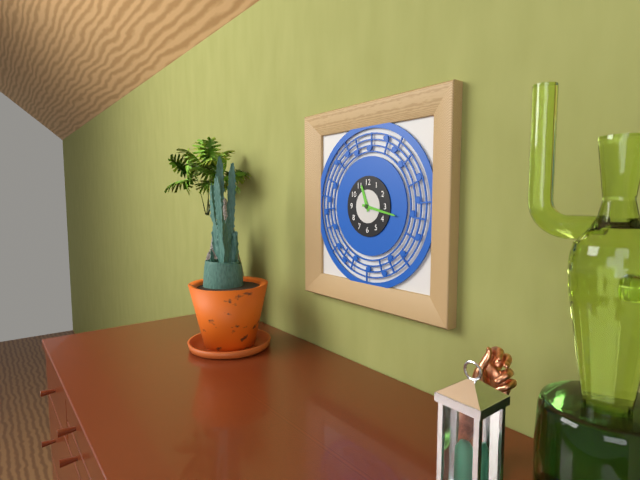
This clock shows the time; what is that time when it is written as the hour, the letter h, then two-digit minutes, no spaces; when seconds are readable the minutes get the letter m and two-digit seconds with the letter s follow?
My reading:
11h17
